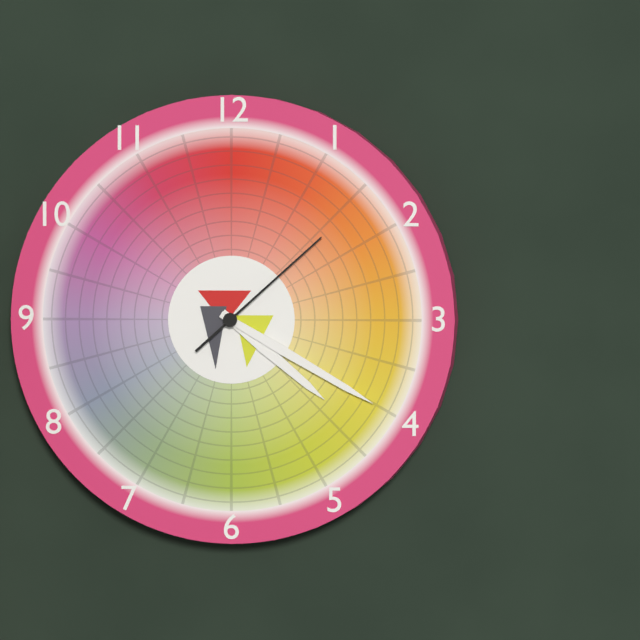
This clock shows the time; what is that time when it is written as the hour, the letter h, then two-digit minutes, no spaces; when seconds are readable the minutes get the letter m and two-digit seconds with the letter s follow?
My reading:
4h20m08s
